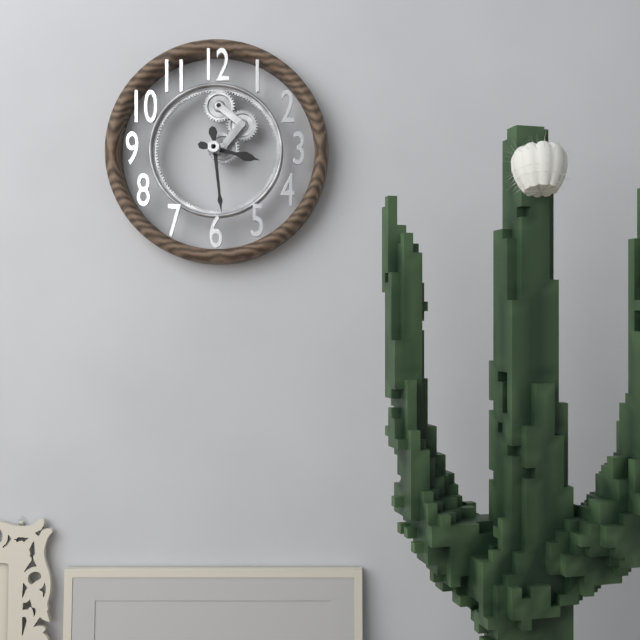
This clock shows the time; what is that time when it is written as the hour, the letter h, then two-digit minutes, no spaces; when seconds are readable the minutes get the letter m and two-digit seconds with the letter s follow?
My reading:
3h29
